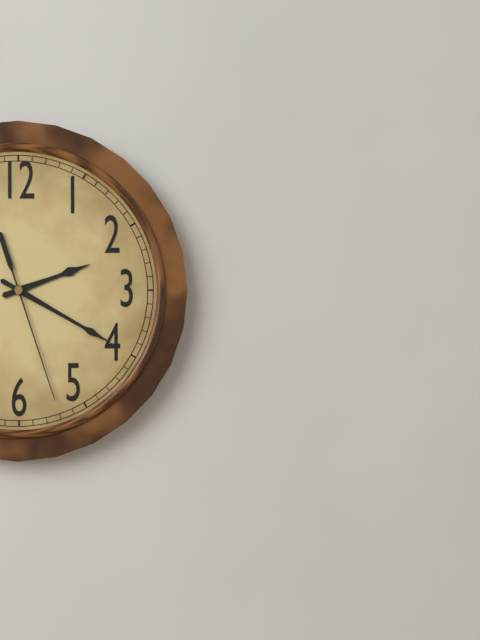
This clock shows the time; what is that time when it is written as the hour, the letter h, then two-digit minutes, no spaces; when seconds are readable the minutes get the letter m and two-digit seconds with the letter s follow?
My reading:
2h20m27s
